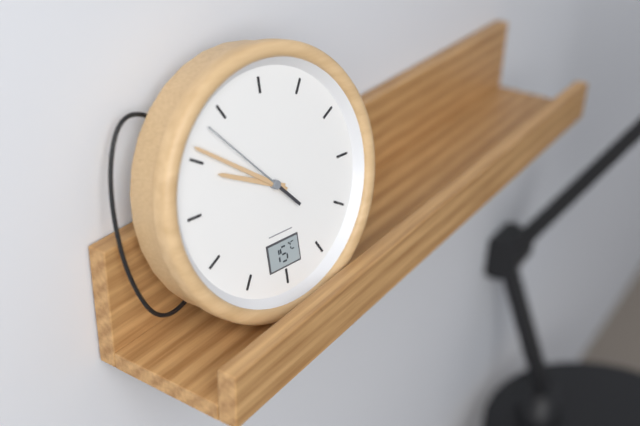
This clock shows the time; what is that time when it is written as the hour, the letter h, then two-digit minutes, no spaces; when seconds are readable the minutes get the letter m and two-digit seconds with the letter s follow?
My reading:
9h51m53s
